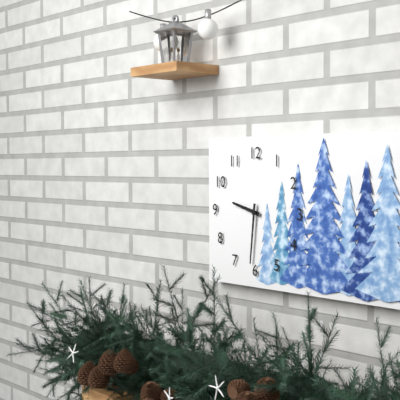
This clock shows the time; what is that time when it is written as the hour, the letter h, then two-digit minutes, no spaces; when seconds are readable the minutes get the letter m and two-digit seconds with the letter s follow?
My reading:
9h31
